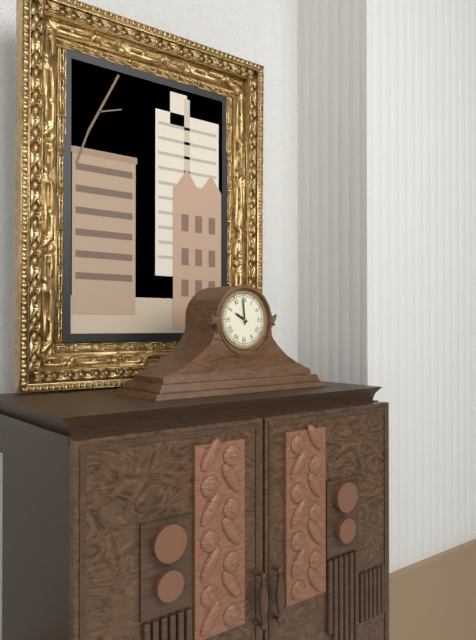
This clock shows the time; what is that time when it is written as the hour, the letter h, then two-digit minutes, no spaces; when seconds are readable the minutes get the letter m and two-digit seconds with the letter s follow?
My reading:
9h59
